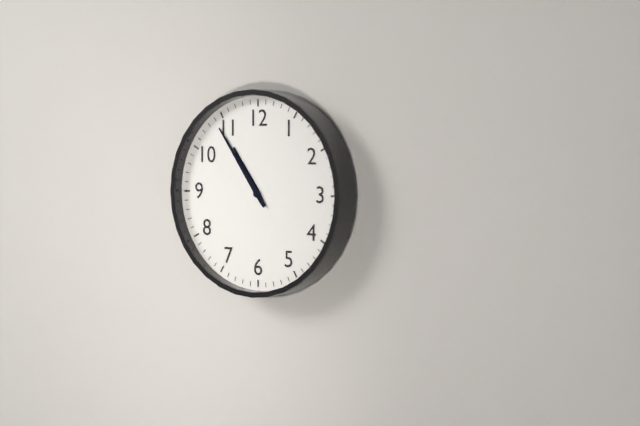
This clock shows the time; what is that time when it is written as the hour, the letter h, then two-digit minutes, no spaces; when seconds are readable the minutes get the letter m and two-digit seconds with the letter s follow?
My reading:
10h54
